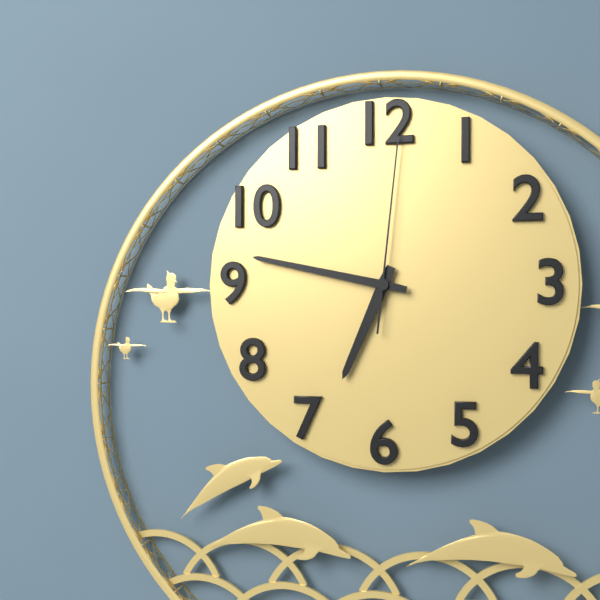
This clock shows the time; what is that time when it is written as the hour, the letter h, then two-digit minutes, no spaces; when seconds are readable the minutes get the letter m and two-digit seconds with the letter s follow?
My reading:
6h47m01s
